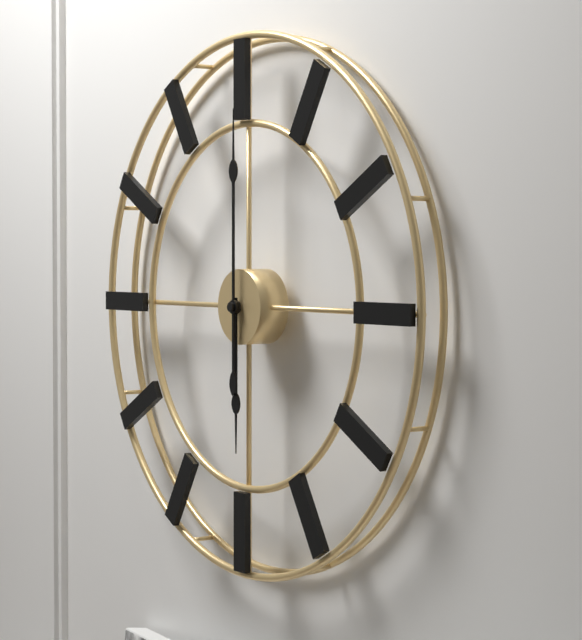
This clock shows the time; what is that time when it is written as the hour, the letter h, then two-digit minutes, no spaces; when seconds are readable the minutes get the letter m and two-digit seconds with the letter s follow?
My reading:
6h00
